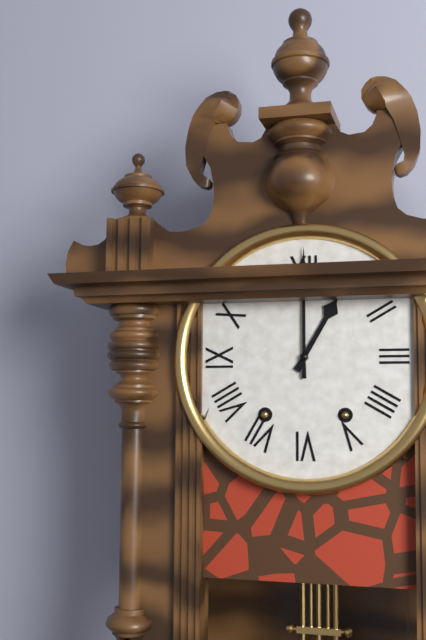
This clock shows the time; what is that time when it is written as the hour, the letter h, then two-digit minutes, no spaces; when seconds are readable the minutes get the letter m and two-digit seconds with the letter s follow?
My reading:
1h00
